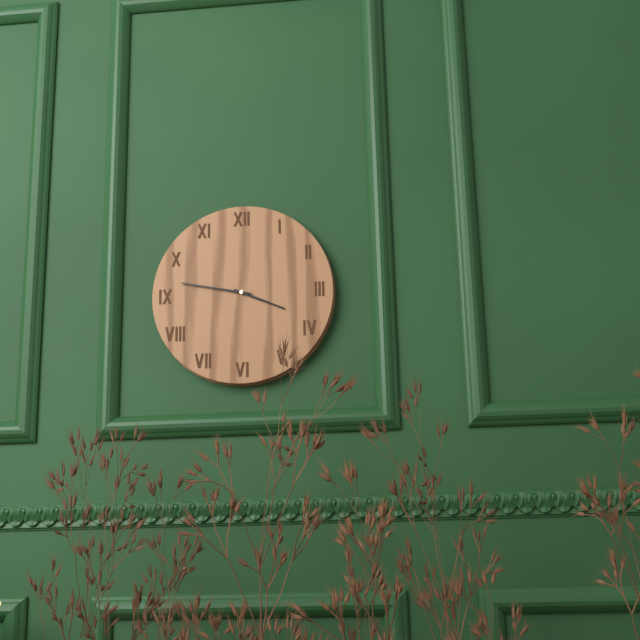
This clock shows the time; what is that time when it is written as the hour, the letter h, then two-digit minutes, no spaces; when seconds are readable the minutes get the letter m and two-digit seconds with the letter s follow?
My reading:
3h47
